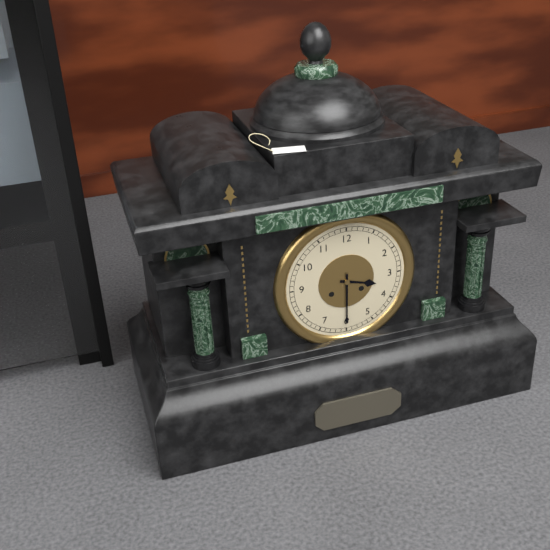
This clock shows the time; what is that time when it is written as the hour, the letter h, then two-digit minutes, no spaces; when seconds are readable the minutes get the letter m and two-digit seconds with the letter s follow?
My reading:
3h30
